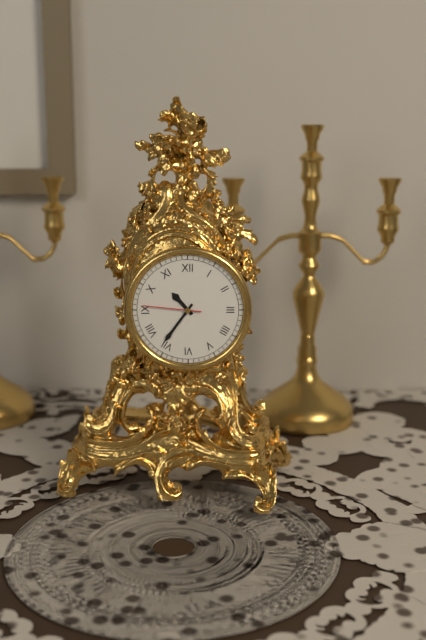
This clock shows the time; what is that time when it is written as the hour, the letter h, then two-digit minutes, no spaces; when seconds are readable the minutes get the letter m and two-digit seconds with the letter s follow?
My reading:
10h36m46s
